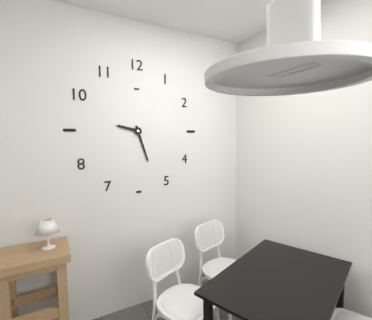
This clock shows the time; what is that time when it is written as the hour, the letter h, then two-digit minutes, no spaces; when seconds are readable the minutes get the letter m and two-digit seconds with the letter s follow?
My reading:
9h27
